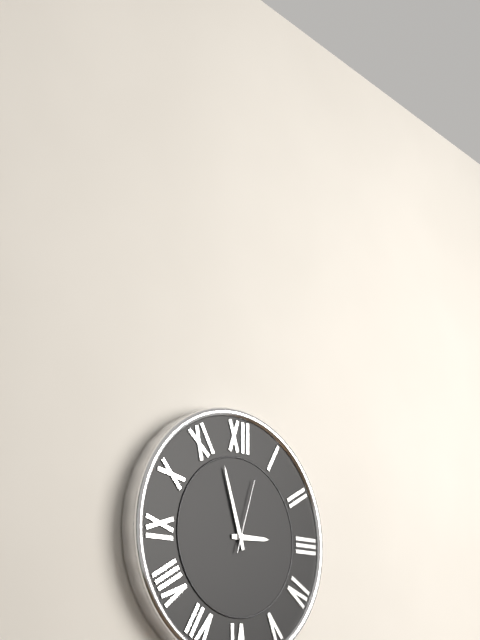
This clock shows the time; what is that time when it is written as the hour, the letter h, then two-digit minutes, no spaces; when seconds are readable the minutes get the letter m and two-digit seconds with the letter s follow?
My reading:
2h57m03s
